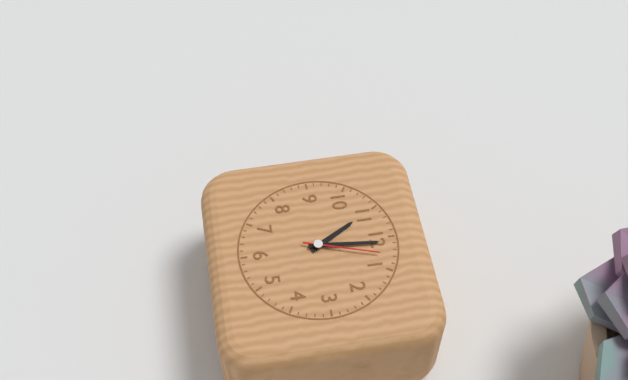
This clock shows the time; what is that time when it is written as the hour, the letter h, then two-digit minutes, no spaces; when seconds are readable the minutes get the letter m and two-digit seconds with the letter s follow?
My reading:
11h01m03s
